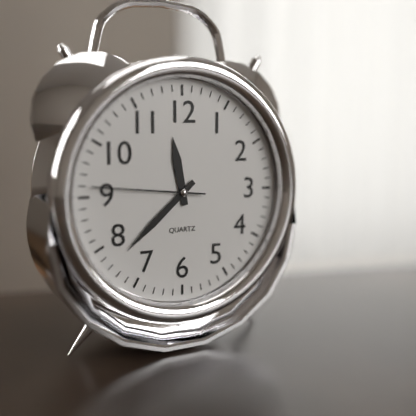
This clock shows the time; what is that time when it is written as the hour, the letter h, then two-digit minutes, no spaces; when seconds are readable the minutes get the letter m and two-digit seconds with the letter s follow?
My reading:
11h38m46s
